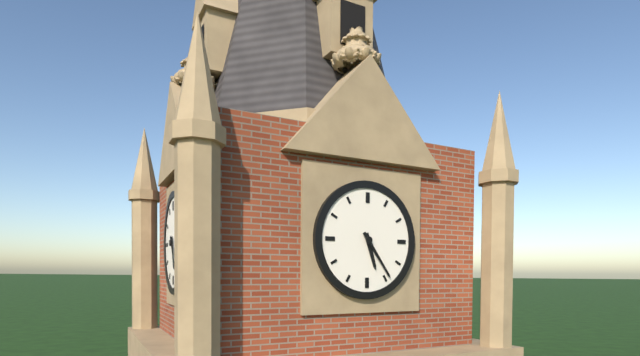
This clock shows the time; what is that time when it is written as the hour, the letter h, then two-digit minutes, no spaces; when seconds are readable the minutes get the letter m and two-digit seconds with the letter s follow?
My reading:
5h24
